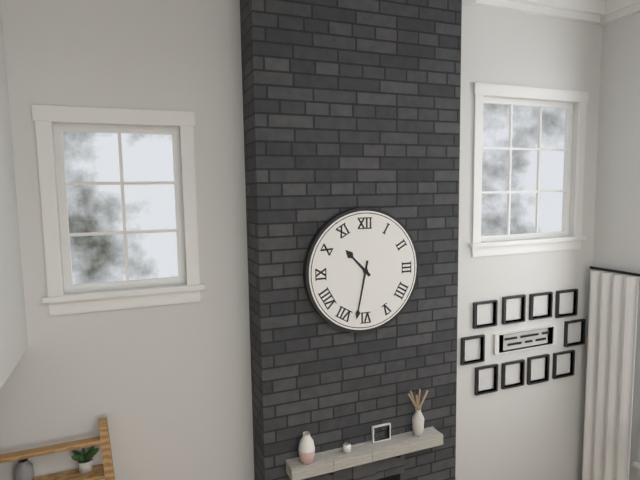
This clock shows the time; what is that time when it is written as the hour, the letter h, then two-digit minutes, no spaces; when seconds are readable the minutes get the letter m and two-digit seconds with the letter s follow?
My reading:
10h32
